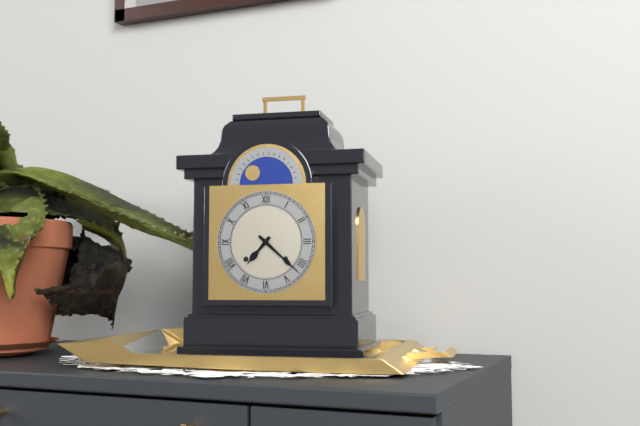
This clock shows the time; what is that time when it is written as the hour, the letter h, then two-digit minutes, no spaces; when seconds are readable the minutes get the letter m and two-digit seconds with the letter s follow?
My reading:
7h22
